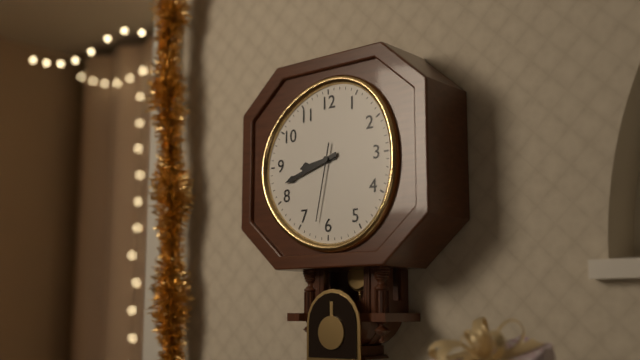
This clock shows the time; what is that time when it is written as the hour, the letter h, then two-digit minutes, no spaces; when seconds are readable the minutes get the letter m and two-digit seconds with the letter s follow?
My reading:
8h42m32s
